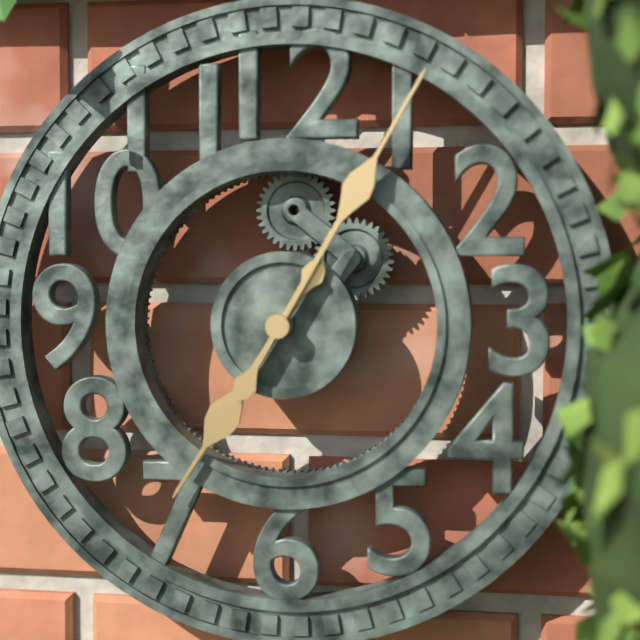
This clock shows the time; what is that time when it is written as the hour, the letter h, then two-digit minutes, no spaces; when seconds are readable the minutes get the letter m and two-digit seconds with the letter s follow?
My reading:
7h05
